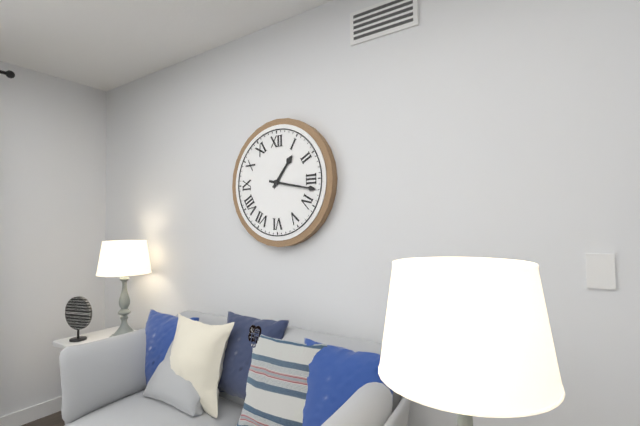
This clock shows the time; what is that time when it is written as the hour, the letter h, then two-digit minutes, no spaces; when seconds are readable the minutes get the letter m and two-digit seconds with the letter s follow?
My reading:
1h17
